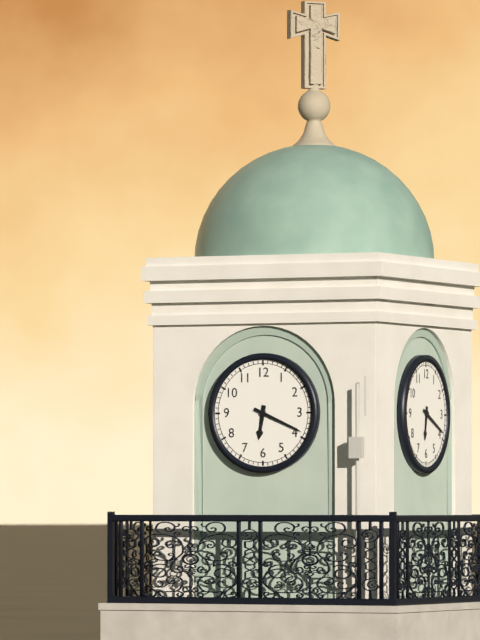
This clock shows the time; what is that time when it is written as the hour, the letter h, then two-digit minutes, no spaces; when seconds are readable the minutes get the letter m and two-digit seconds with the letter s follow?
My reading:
6h19
